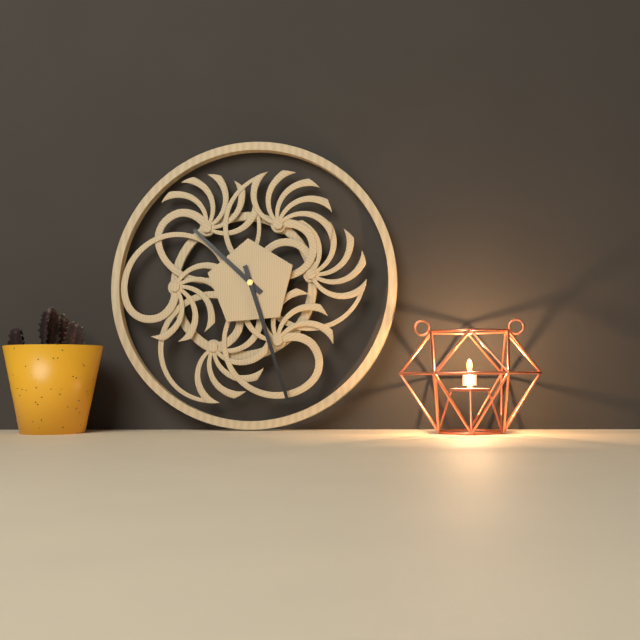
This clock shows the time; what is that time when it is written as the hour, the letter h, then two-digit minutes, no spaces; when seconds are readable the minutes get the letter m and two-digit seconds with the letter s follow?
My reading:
10h27
